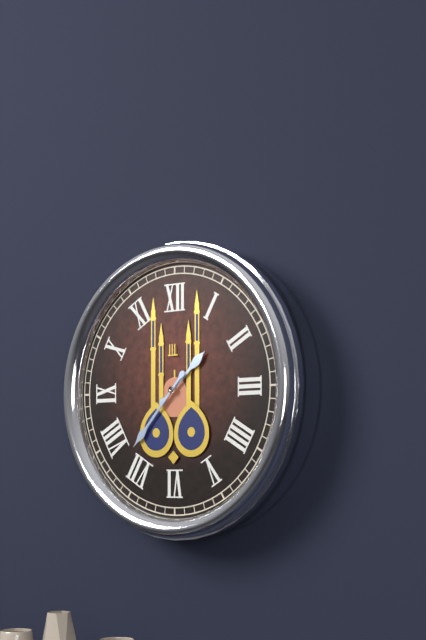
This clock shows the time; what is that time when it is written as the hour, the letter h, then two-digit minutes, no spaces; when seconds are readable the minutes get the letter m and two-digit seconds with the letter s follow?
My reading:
1h37
